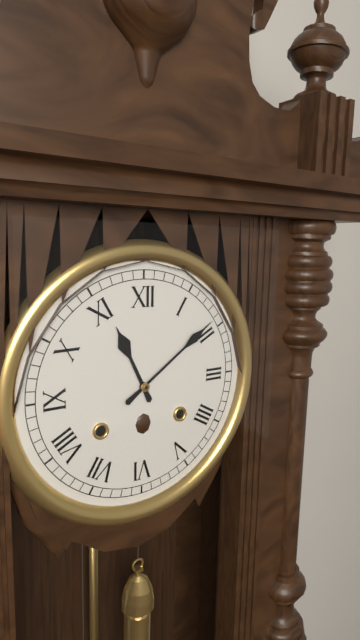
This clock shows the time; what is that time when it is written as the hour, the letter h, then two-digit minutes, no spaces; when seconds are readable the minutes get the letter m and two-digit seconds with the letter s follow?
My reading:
11h09
